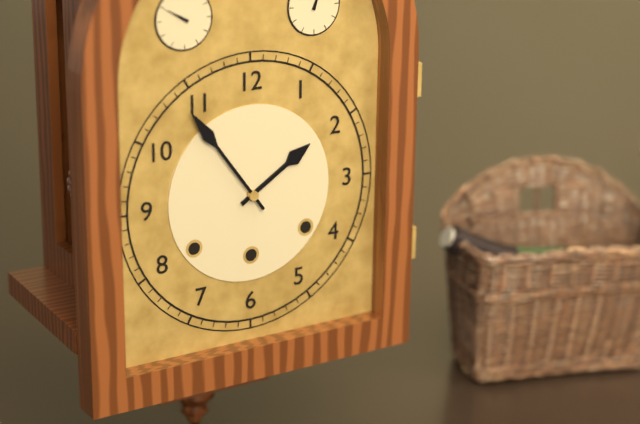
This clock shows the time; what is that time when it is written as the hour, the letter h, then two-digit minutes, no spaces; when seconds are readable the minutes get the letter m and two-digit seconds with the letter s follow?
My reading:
1h54
